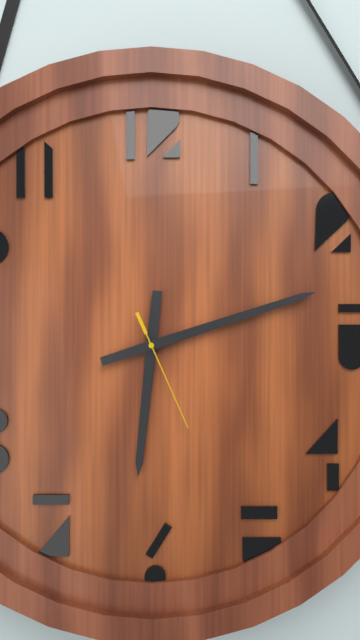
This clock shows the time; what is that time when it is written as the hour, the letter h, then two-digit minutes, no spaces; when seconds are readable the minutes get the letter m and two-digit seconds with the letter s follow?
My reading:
6h12m26s
